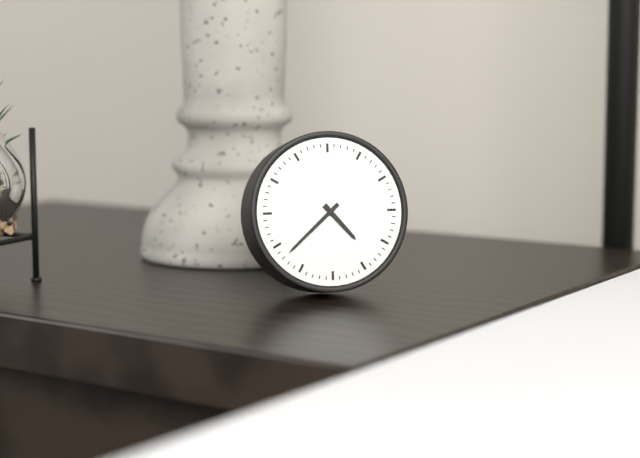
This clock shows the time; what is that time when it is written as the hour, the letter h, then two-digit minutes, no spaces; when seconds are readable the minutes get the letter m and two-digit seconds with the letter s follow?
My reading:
4h38
